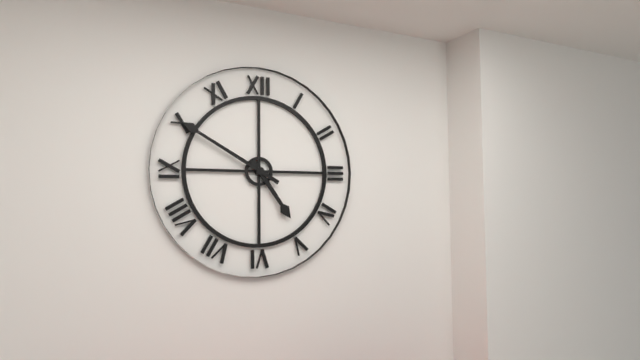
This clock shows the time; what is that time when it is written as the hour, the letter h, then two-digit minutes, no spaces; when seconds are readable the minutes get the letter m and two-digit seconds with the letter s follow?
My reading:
4h50
